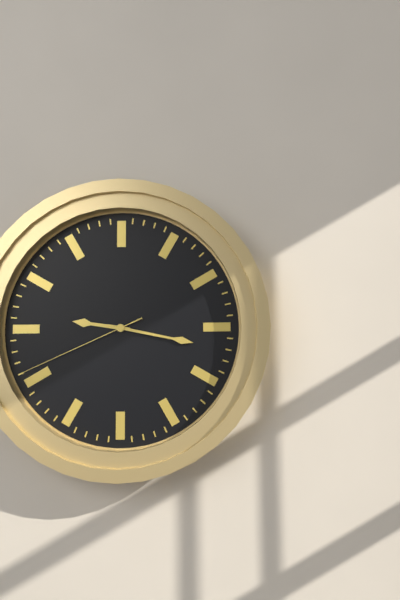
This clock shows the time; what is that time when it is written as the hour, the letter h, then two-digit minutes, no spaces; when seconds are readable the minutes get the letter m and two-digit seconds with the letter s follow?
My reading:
9h17m41s
